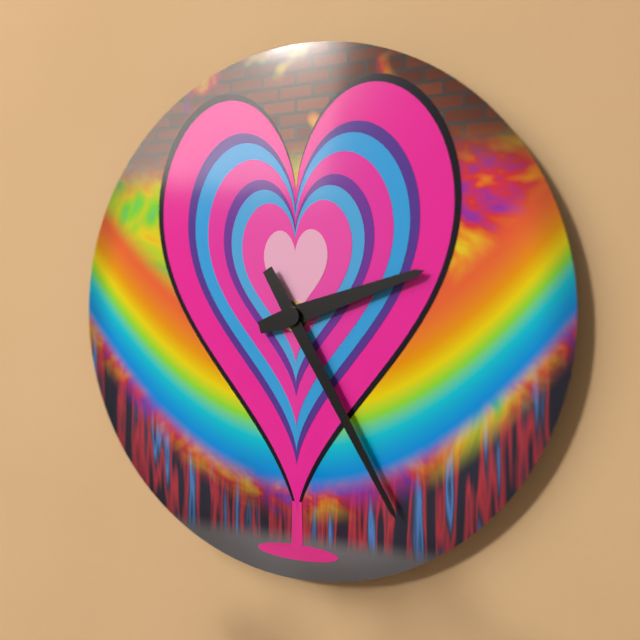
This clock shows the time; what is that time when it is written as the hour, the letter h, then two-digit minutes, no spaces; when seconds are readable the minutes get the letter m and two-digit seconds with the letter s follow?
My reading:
2h25
